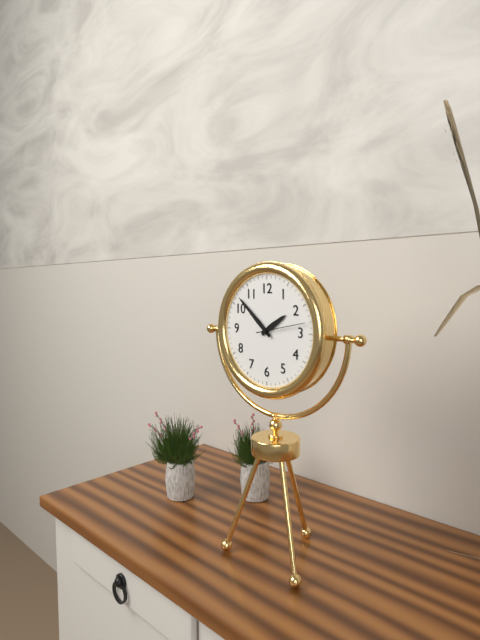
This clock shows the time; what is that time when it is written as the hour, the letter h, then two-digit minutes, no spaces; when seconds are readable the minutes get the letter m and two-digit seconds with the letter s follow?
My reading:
1h52m13s
